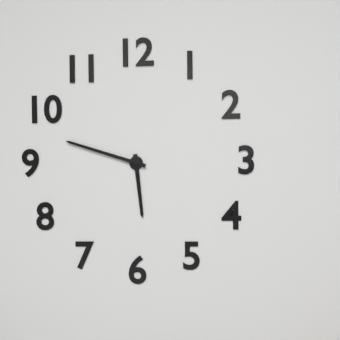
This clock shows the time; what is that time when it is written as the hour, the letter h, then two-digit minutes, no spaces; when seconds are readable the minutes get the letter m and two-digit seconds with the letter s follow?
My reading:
5h48
